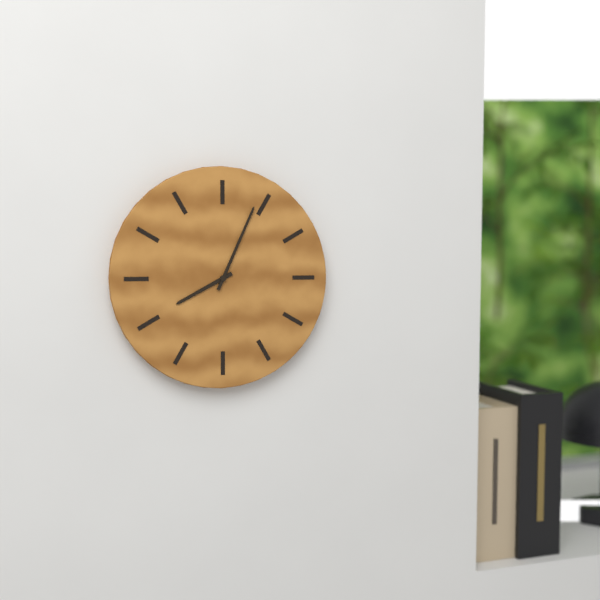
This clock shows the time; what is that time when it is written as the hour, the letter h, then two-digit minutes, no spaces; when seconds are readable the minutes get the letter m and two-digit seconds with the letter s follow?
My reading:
8h04
